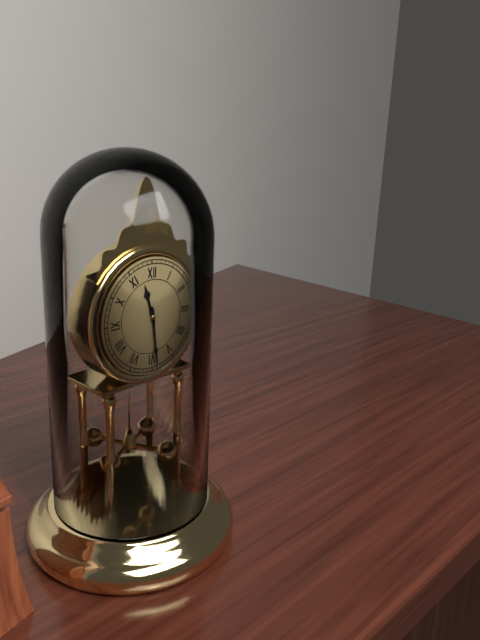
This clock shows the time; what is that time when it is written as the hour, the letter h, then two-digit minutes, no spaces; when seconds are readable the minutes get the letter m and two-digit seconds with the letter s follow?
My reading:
11h29
